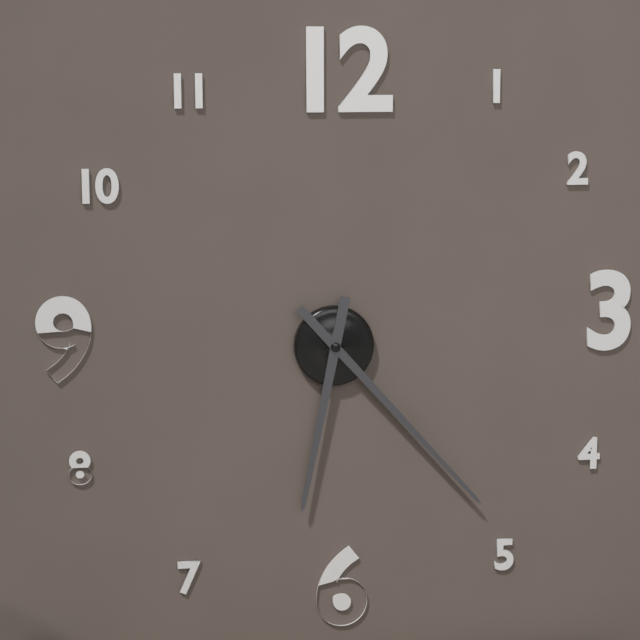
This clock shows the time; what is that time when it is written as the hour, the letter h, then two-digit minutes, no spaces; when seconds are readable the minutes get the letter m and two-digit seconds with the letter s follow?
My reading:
6h23
